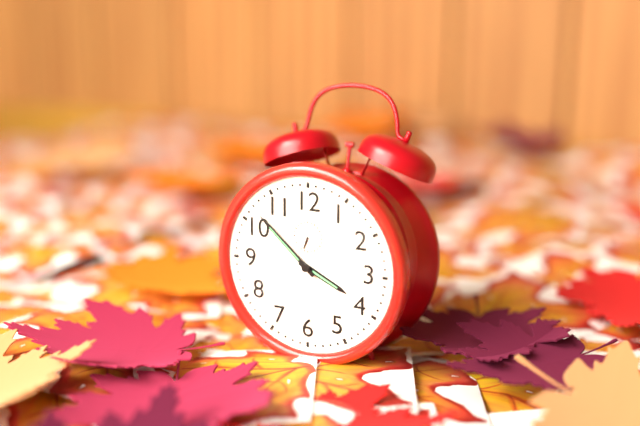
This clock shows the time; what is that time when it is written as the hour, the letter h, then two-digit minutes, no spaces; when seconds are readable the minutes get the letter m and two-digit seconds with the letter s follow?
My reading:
3h52
